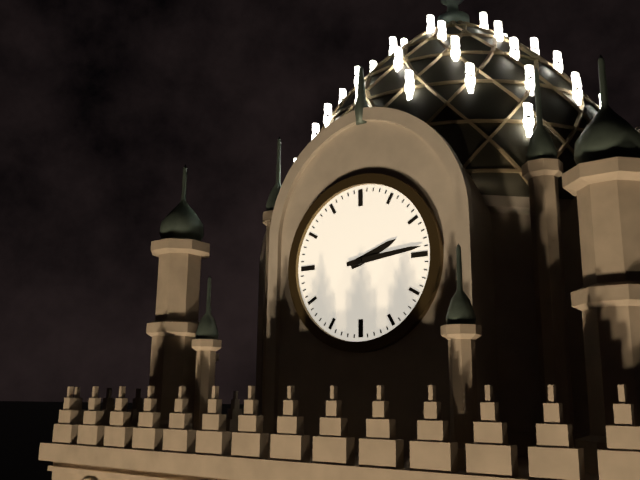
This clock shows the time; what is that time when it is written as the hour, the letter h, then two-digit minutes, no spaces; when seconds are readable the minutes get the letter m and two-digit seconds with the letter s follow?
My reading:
2h14
